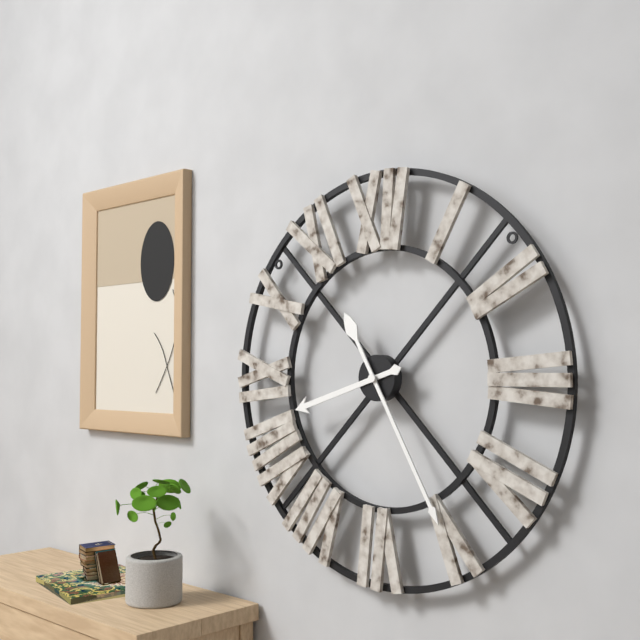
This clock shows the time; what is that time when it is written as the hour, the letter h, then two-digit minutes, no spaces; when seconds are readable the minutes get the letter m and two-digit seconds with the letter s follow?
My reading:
8h25
